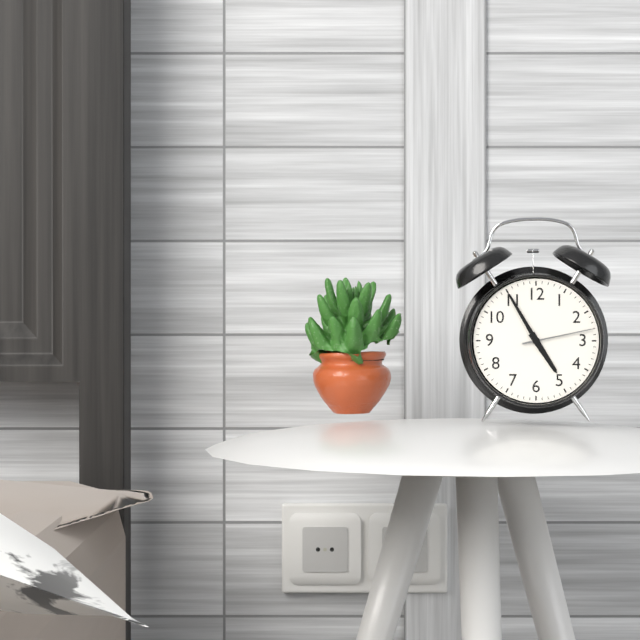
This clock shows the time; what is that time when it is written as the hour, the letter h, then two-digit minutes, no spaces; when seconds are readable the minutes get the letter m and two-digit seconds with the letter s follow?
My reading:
4h55m13s
